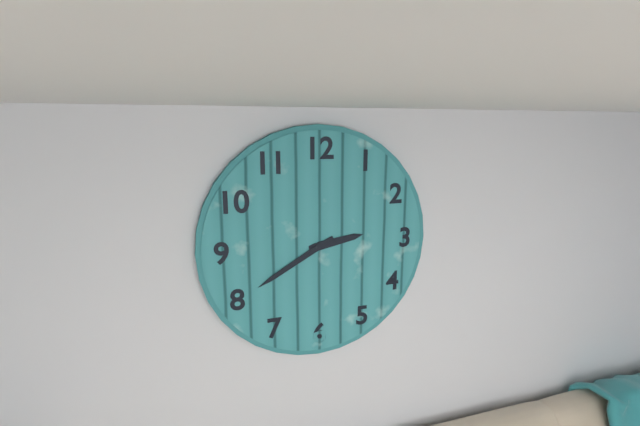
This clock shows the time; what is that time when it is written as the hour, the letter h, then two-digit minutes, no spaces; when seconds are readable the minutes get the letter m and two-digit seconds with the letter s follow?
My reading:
2h40
